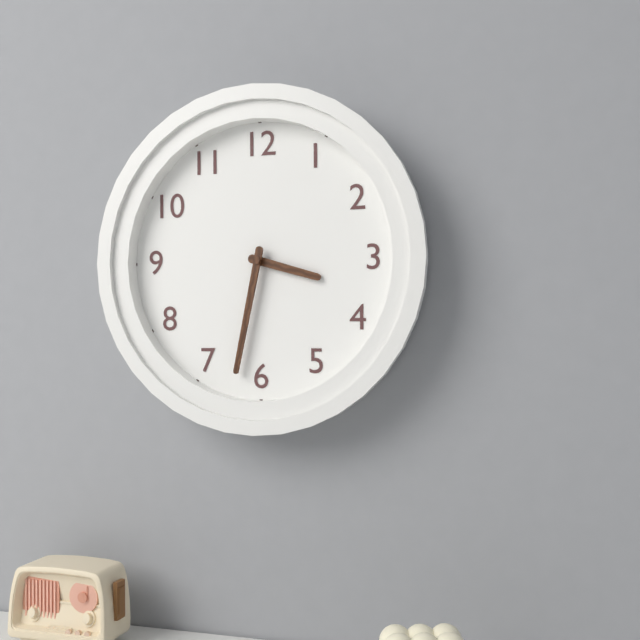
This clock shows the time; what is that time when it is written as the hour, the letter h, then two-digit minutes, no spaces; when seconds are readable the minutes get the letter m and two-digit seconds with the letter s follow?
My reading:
3h32
